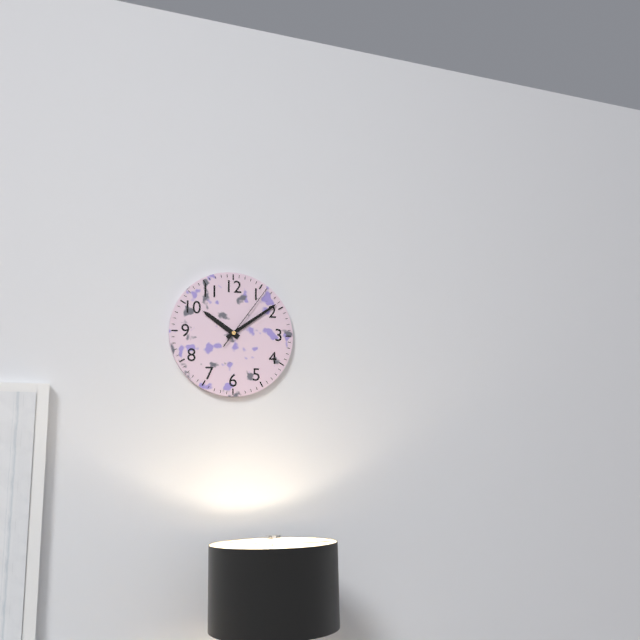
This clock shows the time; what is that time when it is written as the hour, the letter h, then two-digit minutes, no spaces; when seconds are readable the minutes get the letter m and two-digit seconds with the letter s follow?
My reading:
10h09m06s
